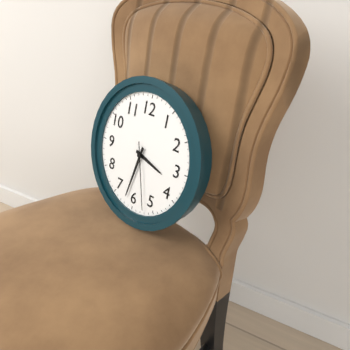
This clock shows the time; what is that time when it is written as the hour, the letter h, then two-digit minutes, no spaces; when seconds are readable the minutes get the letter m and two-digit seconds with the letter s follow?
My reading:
3h32m27s
